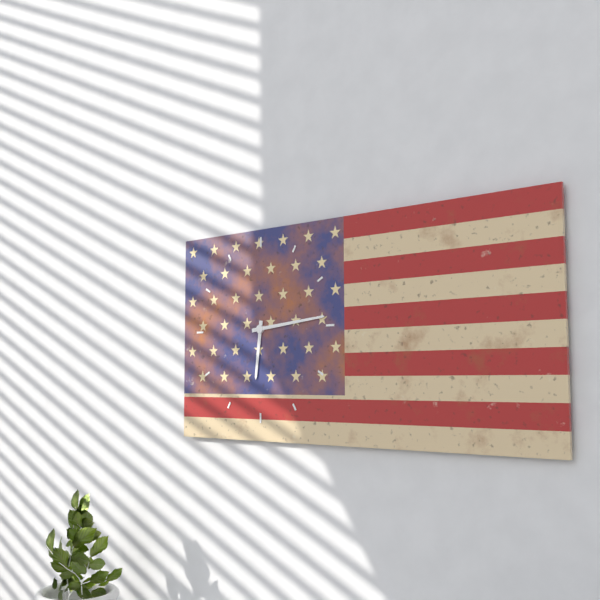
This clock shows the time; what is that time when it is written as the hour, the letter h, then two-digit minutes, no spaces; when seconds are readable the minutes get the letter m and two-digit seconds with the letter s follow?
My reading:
6h14
